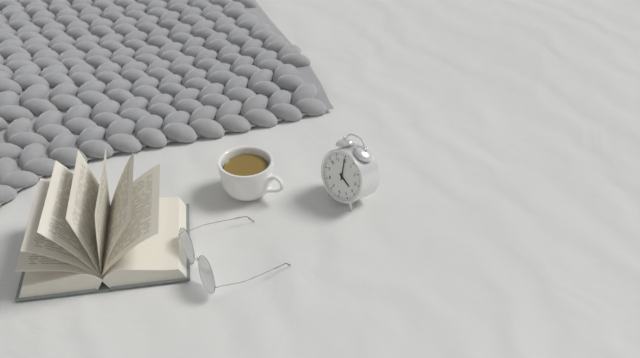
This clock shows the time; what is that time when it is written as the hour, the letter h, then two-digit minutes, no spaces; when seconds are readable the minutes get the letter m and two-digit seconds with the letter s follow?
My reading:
4h00
